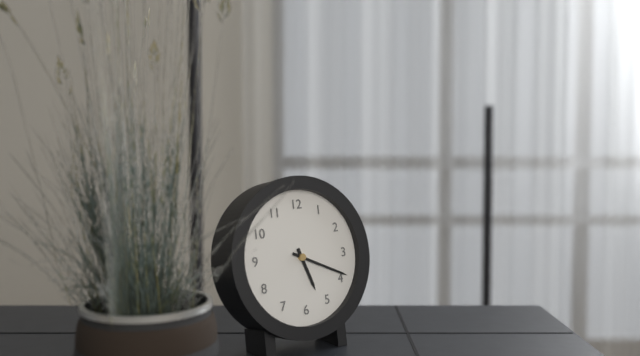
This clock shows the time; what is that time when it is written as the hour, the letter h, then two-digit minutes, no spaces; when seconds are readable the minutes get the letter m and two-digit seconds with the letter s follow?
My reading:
5h19
